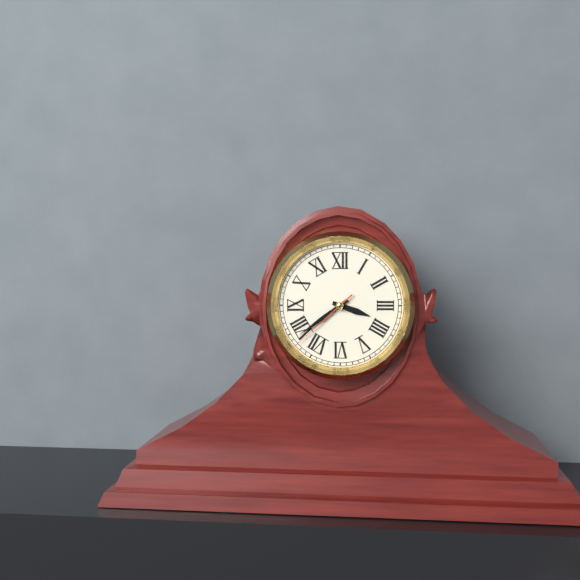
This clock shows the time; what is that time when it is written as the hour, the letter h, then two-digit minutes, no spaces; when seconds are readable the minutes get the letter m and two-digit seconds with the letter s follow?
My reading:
3h39m38s
